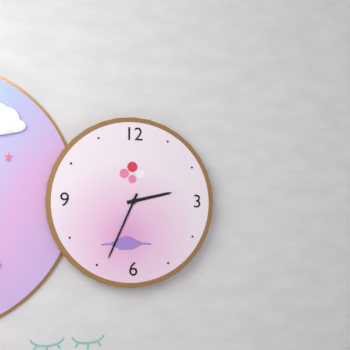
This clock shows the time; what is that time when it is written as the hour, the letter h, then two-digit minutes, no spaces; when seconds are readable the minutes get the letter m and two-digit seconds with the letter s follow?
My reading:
2h34
